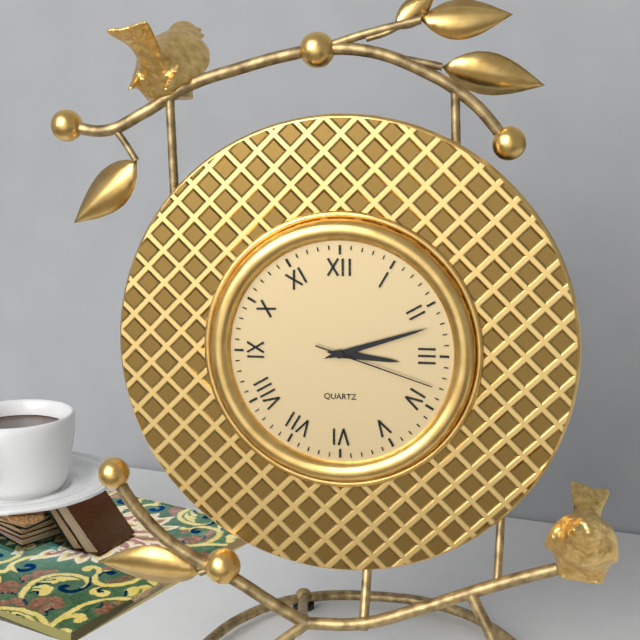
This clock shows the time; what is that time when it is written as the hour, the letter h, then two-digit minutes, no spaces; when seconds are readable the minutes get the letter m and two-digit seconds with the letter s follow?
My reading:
3h12m18s
